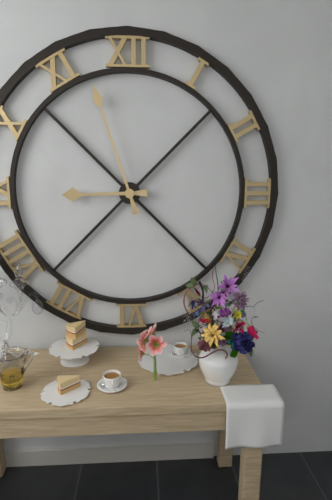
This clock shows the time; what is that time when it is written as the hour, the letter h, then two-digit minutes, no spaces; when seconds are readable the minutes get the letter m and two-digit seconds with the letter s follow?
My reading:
8h57
